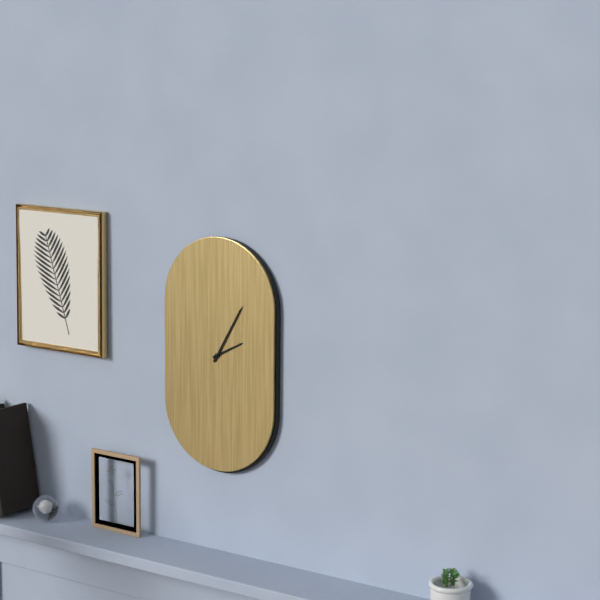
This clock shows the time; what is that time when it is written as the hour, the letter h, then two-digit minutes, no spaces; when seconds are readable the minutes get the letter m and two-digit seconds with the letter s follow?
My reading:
2h05
